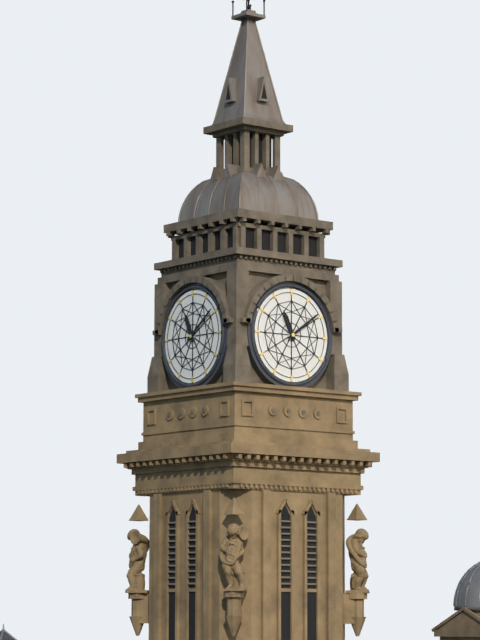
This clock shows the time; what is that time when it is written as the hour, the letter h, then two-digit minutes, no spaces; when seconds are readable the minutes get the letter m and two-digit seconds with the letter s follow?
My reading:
11h09
